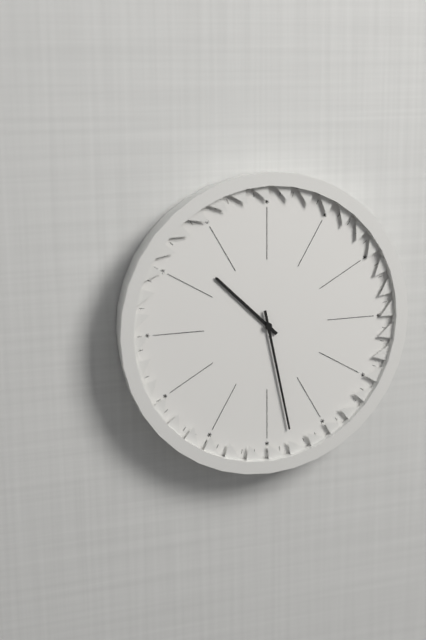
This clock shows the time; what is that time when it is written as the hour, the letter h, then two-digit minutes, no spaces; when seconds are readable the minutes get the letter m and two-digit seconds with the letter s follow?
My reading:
10h28
